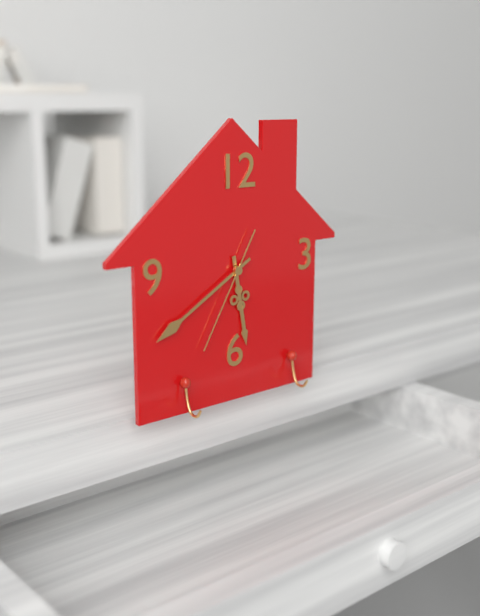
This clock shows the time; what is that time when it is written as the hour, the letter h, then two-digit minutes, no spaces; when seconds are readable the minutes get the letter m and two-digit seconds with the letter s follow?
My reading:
5h40m35s
